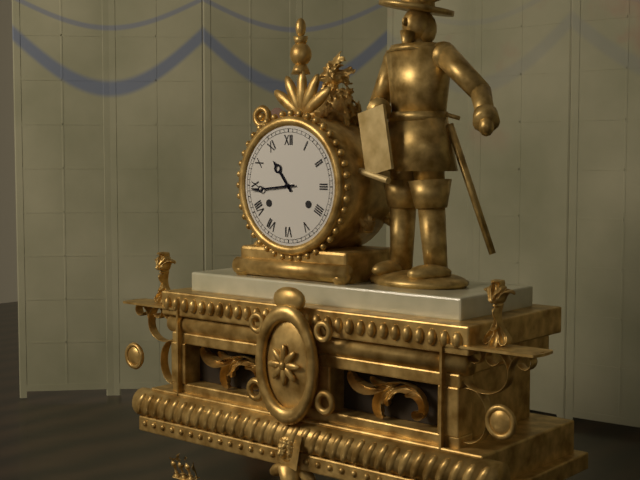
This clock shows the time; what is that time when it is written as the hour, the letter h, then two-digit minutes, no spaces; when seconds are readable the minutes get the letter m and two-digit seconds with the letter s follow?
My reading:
10h44
